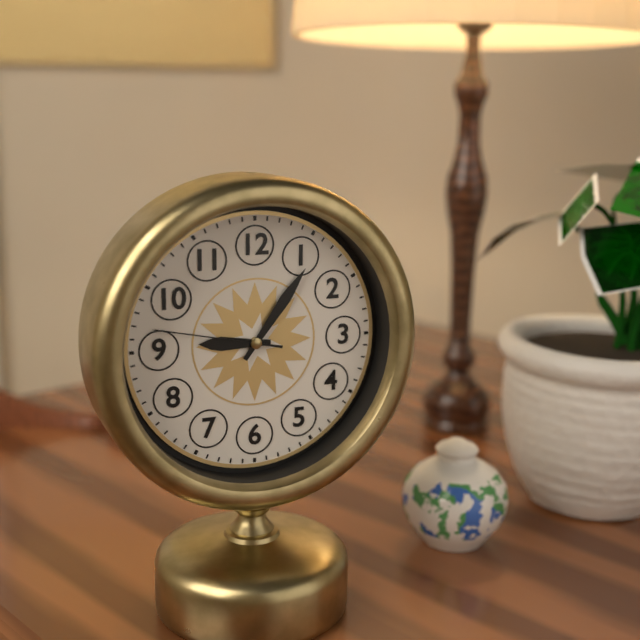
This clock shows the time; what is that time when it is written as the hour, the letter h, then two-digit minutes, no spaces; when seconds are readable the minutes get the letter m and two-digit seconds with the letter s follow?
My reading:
9h06m47s
